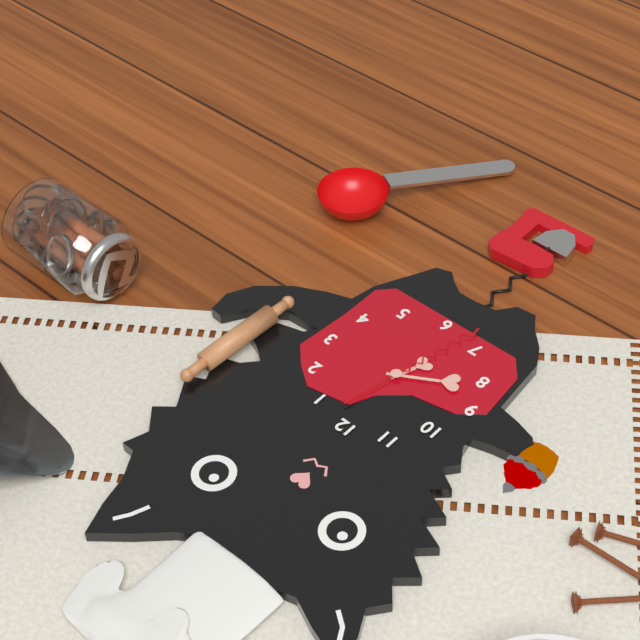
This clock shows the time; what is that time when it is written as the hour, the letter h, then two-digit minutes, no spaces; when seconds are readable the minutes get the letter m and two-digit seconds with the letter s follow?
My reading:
6h40m32s
